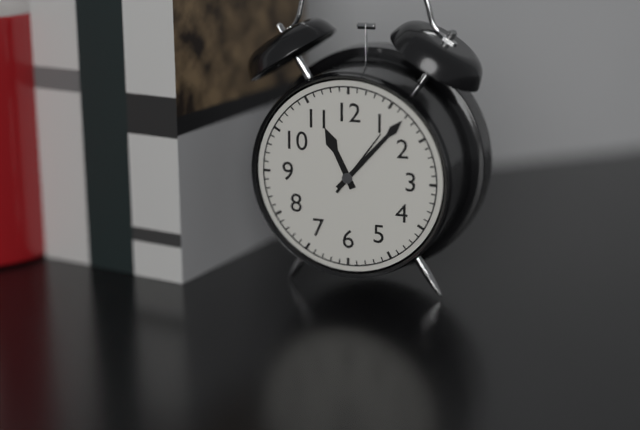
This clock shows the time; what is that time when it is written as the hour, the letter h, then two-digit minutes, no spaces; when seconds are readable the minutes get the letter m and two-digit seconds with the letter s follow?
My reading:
11h07m06s
